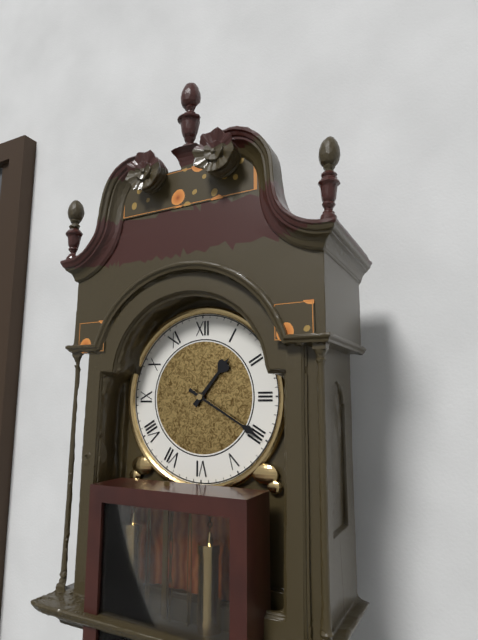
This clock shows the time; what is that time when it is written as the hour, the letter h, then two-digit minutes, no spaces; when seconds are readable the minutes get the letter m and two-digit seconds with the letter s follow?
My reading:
1h20
